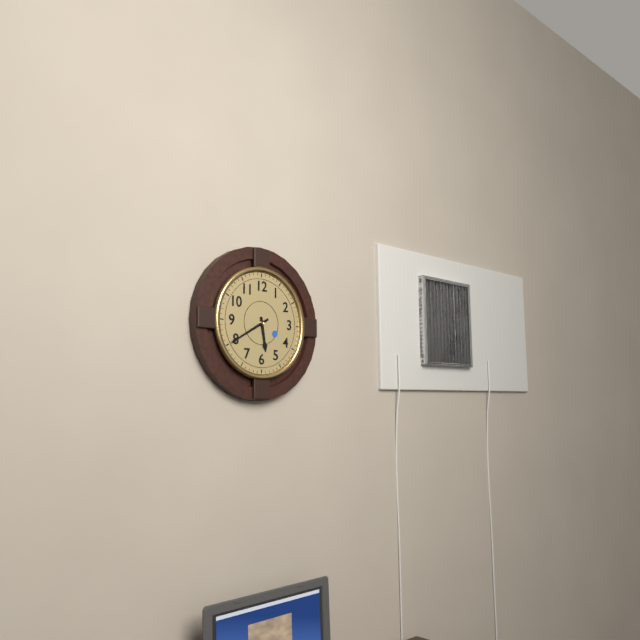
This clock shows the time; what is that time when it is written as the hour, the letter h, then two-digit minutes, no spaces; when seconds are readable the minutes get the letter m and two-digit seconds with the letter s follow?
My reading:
5h40
